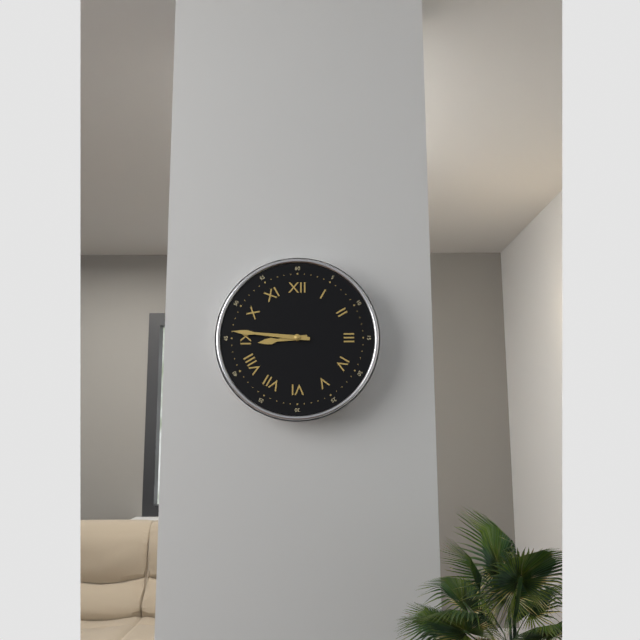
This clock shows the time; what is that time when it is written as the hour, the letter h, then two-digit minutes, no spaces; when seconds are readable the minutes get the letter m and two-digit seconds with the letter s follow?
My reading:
8h46
